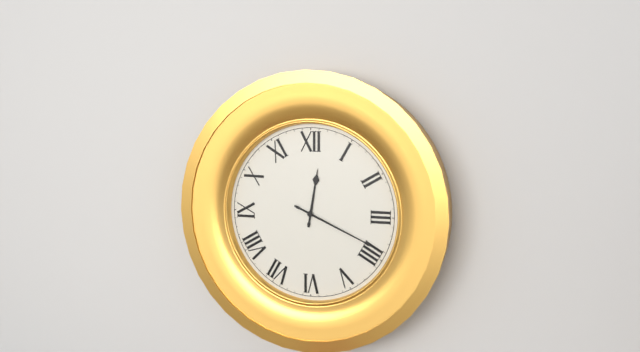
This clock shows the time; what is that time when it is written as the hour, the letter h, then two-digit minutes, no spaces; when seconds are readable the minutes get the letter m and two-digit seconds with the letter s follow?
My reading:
12h19
